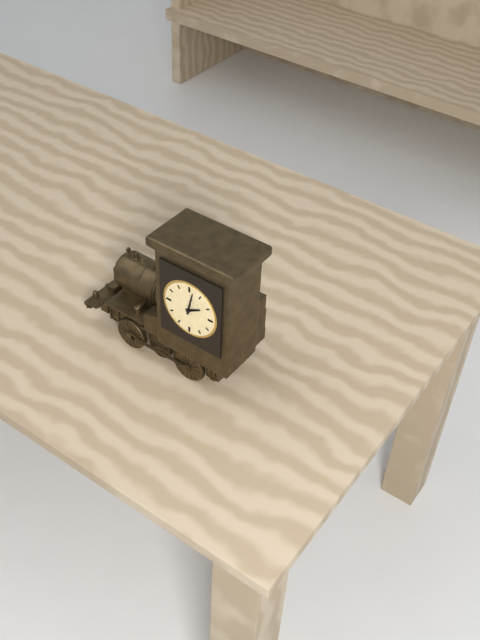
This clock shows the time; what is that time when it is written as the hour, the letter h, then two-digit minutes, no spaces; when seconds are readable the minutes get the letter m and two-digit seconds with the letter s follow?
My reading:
2h02
